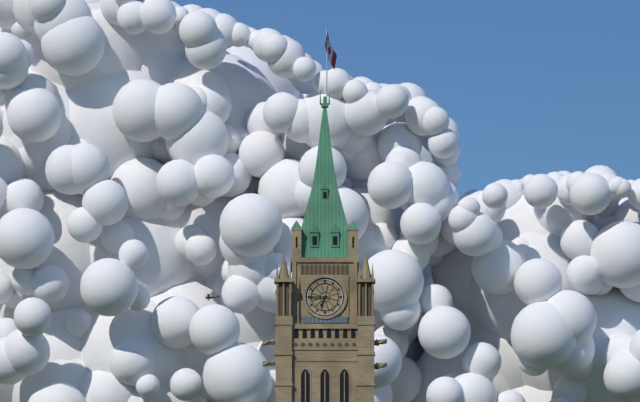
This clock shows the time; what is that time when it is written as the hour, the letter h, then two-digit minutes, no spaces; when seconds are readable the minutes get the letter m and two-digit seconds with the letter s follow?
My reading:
6h45
